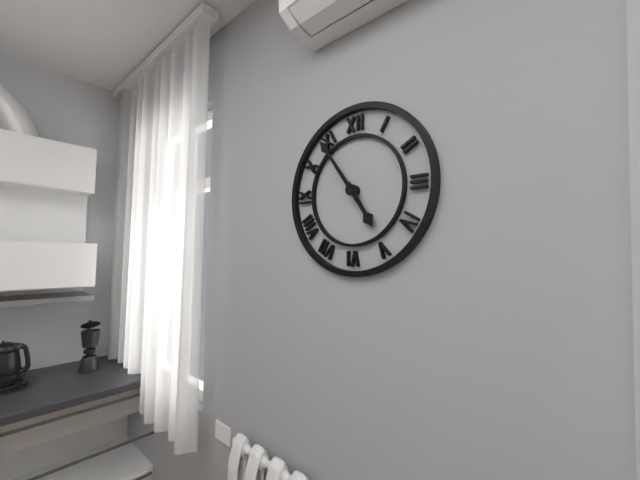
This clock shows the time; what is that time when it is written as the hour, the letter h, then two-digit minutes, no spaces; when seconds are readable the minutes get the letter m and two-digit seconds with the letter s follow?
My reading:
4h54
